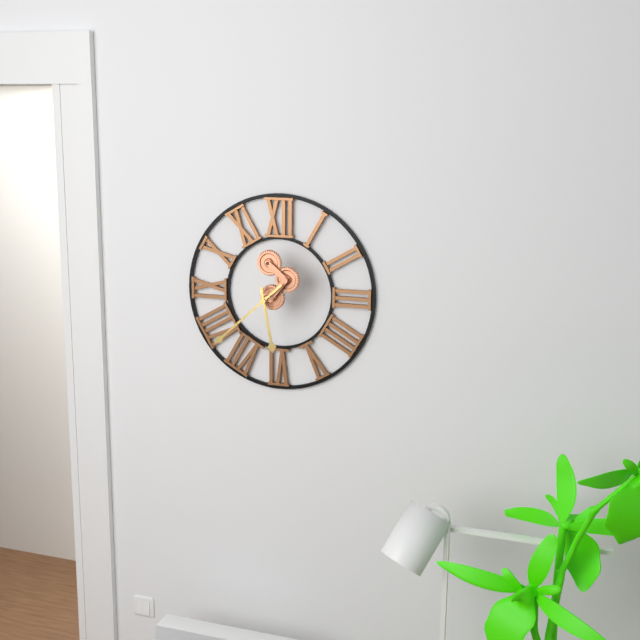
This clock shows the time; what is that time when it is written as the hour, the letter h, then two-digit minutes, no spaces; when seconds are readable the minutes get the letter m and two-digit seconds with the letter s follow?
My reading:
5h38
